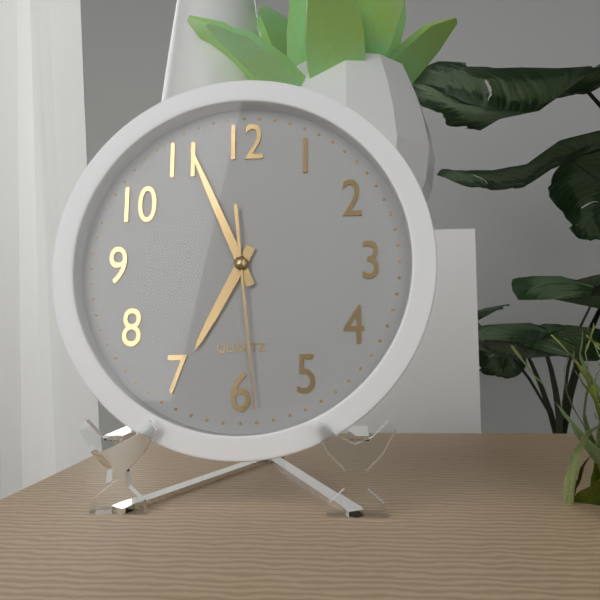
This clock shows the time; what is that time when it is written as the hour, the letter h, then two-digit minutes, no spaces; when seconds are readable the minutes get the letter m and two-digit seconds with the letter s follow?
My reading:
6h56m29s
